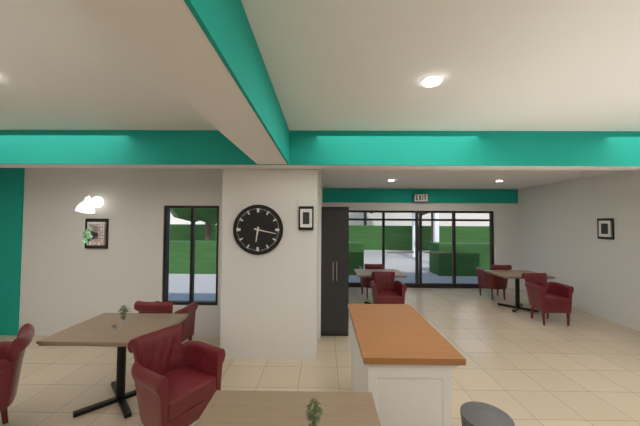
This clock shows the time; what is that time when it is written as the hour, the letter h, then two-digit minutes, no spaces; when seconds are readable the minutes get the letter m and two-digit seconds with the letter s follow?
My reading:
6h17
